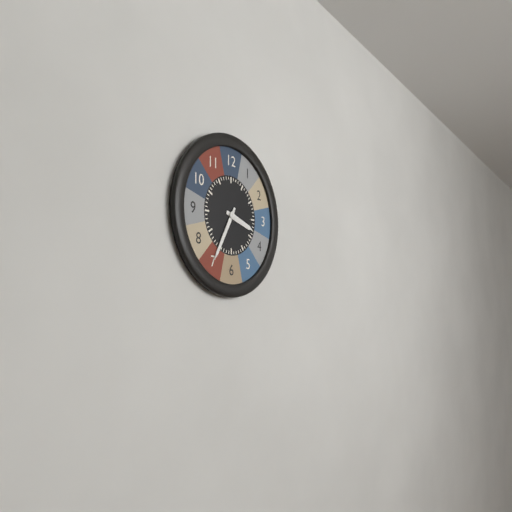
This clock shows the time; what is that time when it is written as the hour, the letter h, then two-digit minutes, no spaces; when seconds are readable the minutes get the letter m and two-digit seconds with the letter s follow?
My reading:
3h35
